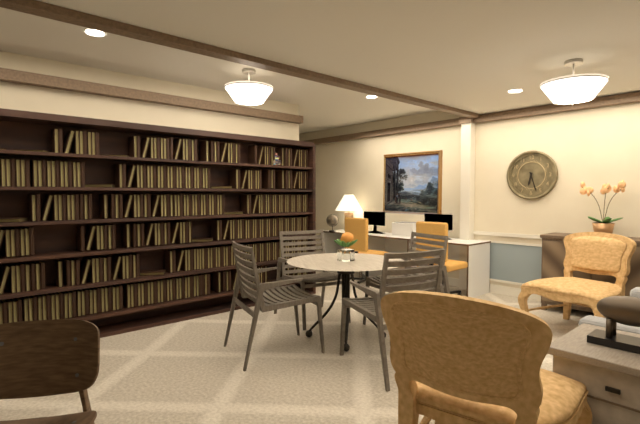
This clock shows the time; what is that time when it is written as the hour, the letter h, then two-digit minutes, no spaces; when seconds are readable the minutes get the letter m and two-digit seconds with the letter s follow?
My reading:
6h27
